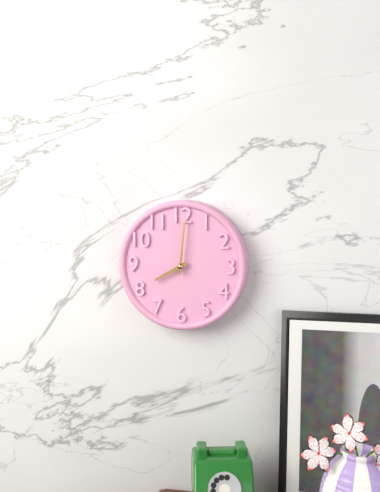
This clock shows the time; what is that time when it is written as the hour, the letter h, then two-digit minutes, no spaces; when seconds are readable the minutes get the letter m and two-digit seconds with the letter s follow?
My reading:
8h01
